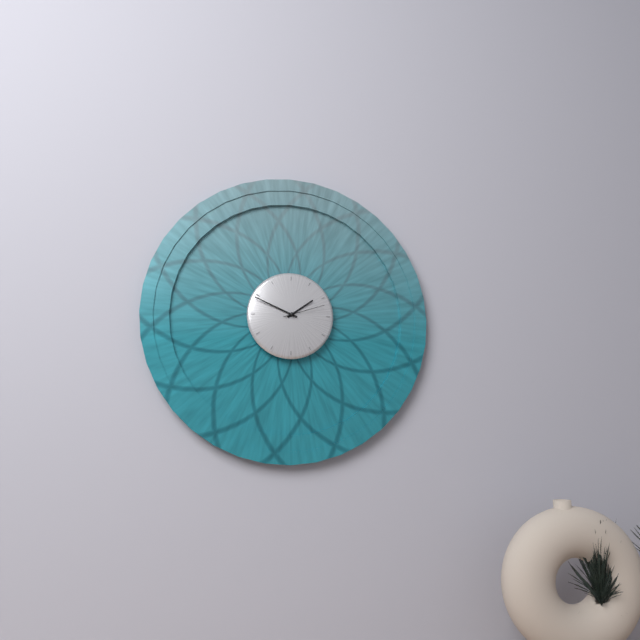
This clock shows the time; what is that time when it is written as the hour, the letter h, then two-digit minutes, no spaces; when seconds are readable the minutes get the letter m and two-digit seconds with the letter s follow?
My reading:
1h49
